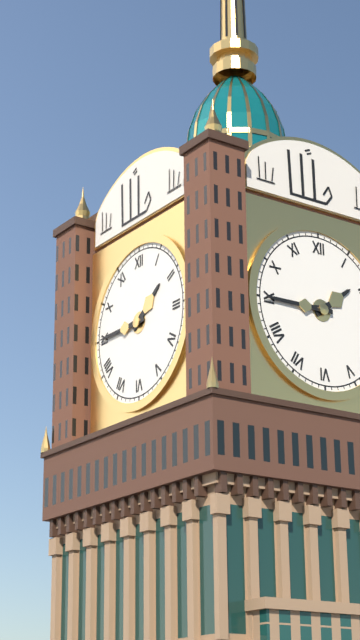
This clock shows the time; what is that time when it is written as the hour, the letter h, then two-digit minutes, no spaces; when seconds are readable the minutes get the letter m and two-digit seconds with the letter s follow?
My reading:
1h45
